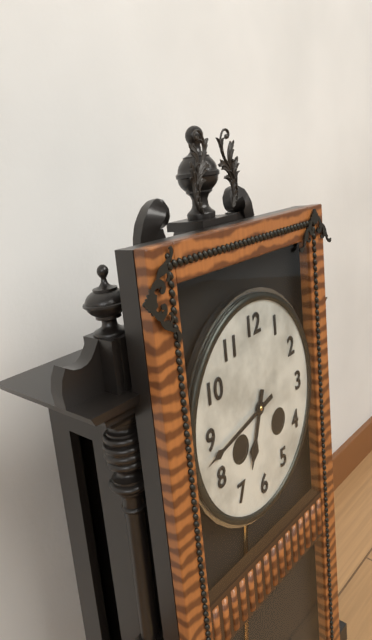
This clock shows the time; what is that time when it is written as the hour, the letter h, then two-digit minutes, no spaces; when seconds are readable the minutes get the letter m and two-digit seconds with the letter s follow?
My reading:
6h43
